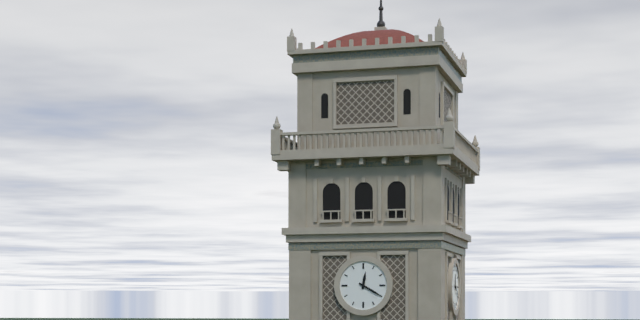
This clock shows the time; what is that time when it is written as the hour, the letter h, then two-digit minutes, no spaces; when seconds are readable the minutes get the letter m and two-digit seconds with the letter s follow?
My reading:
12h20
